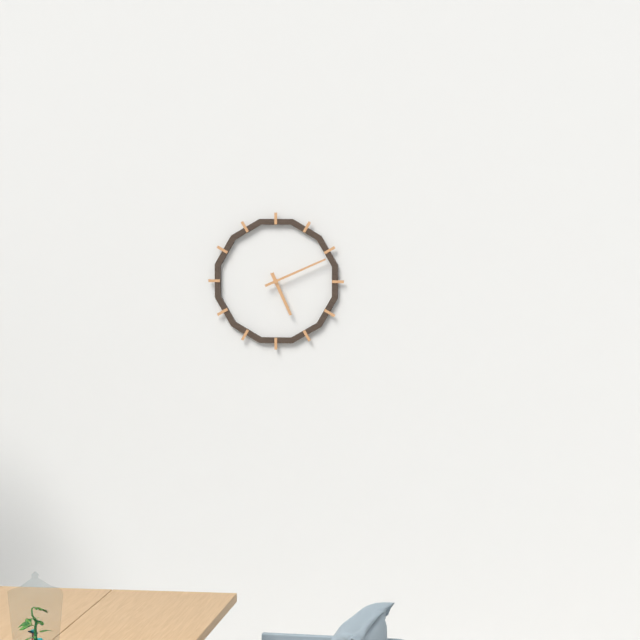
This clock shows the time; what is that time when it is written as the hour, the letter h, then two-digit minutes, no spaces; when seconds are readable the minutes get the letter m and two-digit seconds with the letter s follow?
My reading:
5h11
